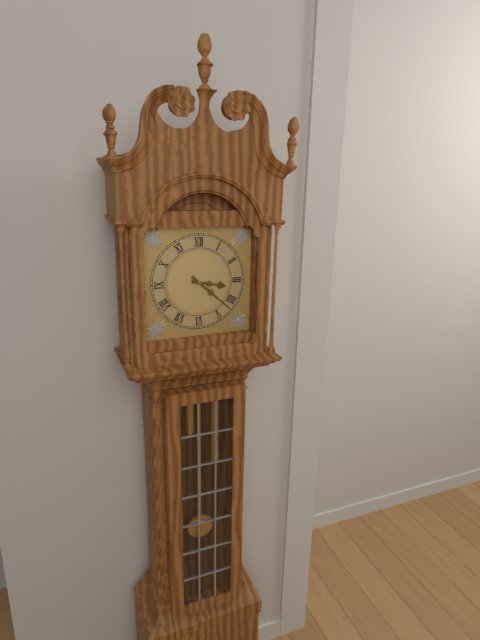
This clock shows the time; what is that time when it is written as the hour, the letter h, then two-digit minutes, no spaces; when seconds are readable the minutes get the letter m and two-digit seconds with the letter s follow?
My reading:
3h22
